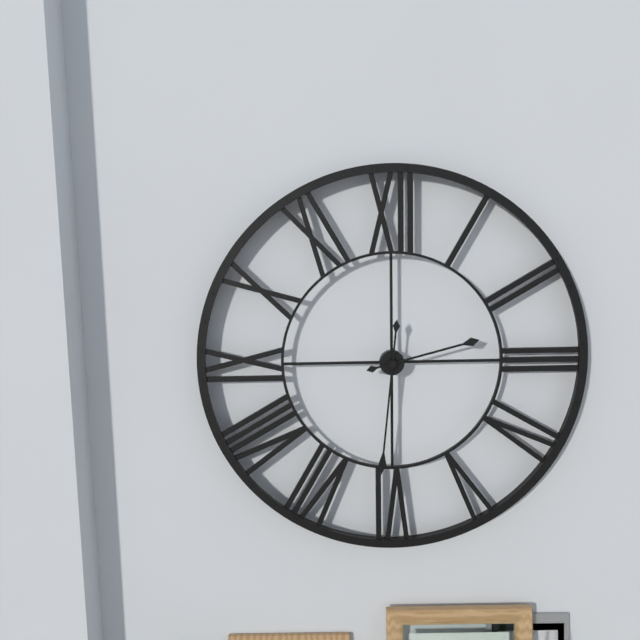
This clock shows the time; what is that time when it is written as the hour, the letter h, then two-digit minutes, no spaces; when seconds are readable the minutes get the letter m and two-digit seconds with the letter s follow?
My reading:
2h31
